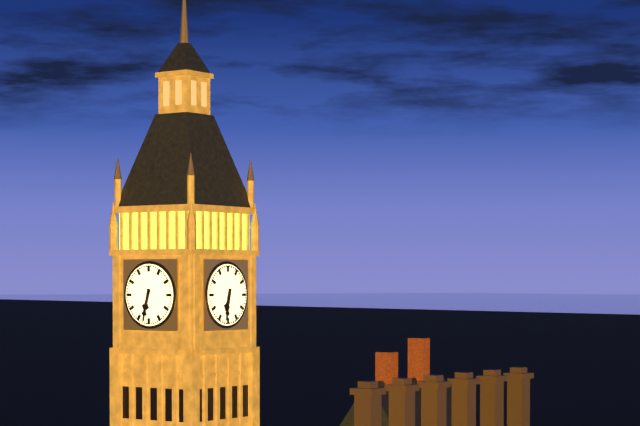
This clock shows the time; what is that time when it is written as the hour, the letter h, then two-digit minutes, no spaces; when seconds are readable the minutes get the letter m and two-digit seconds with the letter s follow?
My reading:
6h32
